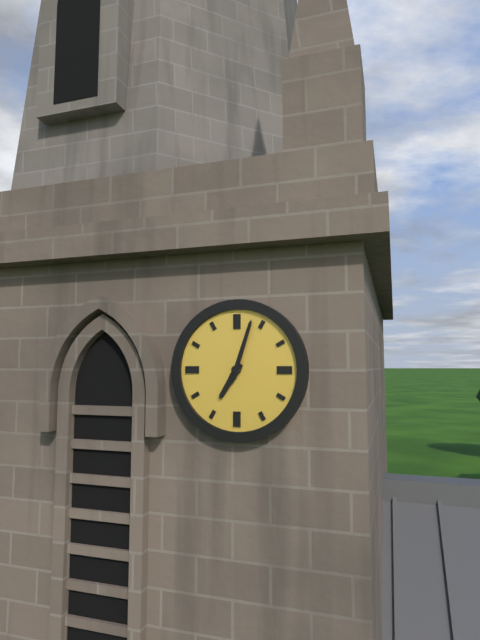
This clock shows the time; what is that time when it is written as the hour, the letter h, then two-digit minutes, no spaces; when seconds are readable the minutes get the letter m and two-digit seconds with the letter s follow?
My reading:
7h03
